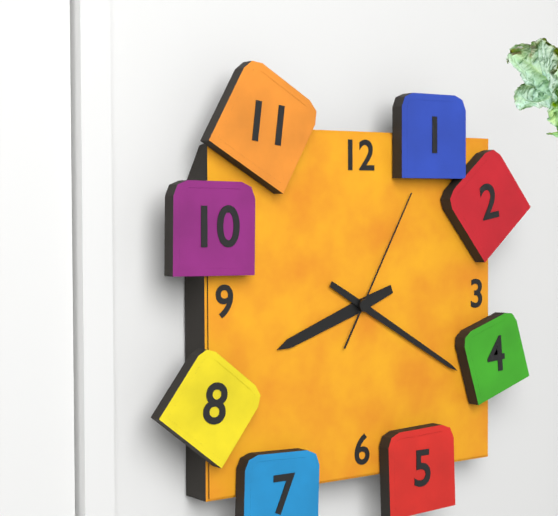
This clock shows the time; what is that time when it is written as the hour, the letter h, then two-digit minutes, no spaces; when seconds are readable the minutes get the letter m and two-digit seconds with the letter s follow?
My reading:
8h20m05s
